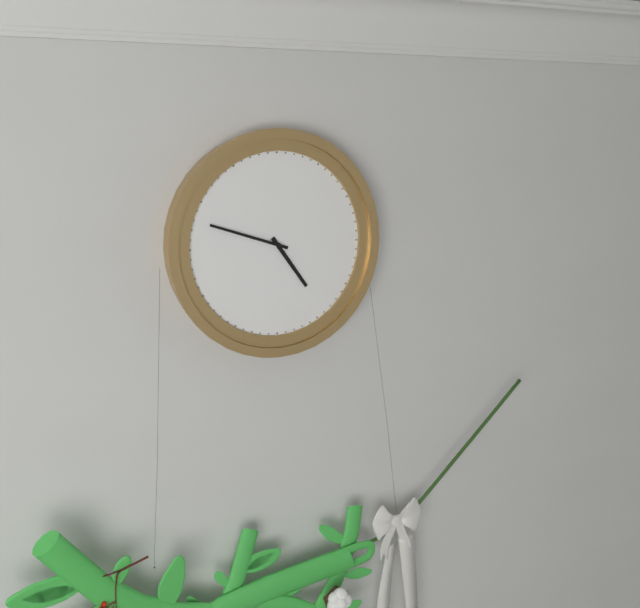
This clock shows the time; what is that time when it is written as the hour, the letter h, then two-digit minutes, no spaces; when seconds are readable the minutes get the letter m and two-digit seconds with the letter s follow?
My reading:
4h48
